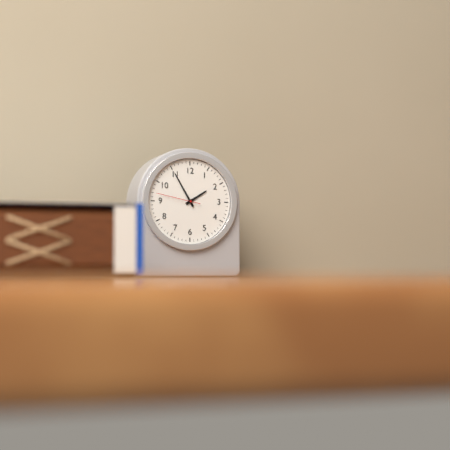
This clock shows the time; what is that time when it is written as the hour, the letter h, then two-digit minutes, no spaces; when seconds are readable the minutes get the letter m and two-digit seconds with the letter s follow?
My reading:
1h55
